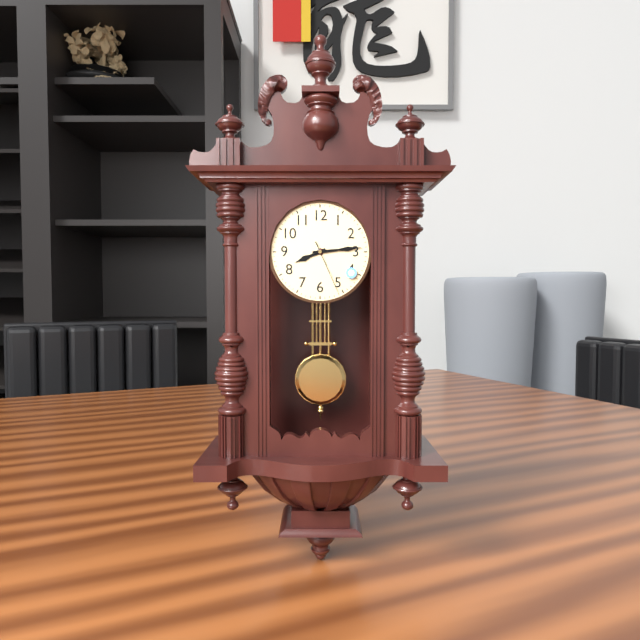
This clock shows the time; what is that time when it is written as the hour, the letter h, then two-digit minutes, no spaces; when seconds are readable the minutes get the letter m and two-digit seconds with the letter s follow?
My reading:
8h14m26s
